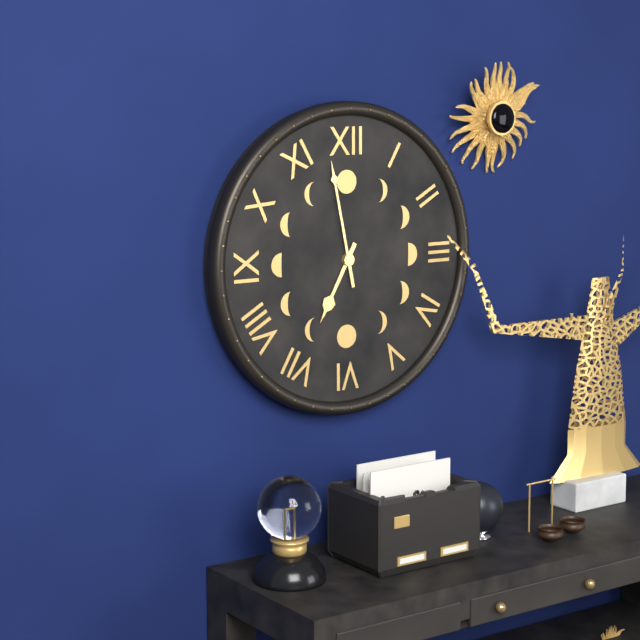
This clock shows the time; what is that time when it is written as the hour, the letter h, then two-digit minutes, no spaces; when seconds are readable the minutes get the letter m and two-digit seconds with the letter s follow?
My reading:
6h58
